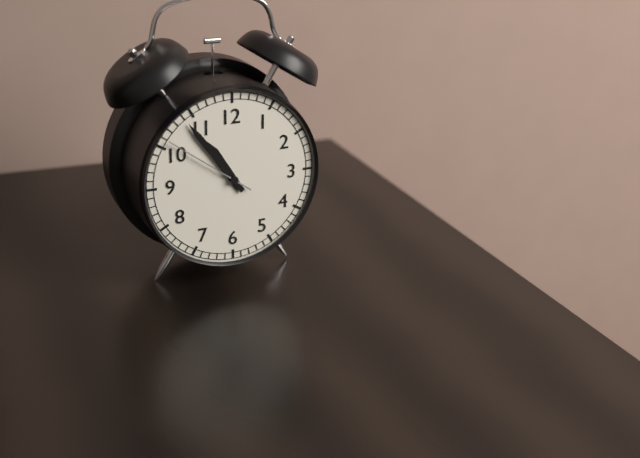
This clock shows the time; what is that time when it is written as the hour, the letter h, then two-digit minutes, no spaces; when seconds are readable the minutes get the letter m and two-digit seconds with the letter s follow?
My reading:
10h54m51s
